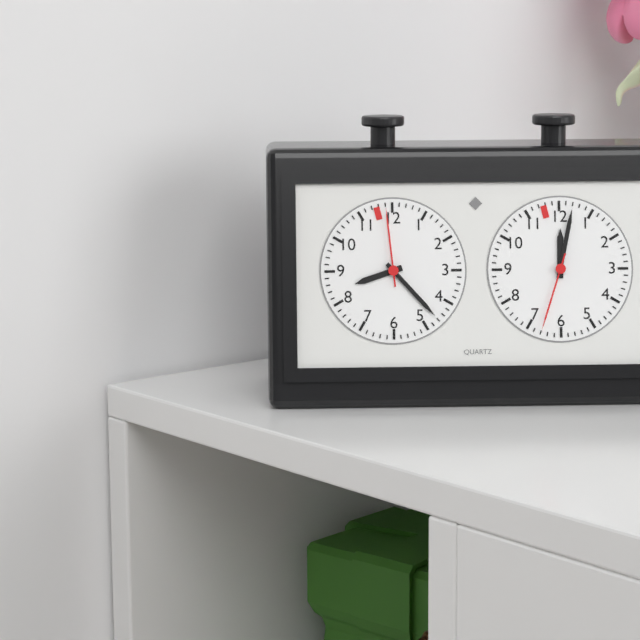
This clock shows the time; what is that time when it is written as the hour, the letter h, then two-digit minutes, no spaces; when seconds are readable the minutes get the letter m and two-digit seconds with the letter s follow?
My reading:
8h23m59s
